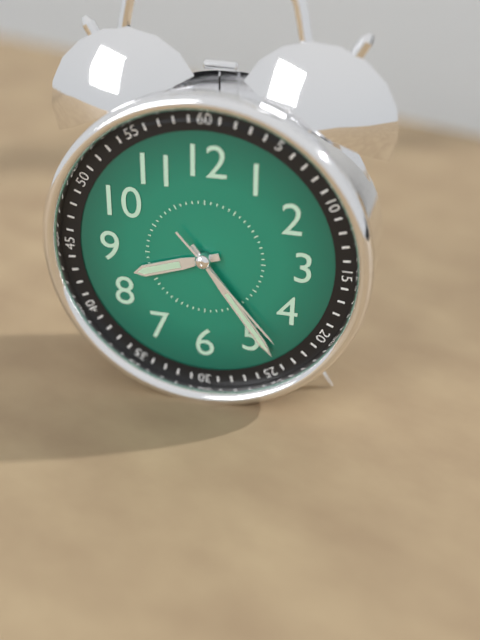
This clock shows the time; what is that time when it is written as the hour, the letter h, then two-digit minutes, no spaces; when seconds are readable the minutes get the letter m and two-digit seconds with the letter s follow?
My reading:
8h24m23s
